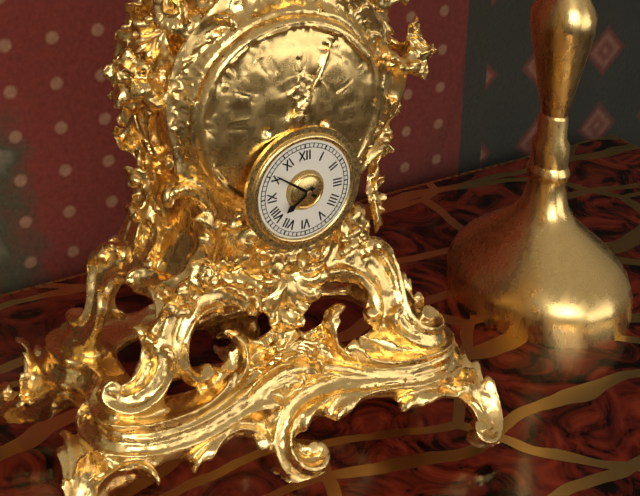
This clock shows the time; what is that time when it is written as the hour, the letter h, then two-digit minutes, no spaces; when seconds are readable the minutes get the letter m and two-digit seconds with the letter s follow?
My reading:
7h51
